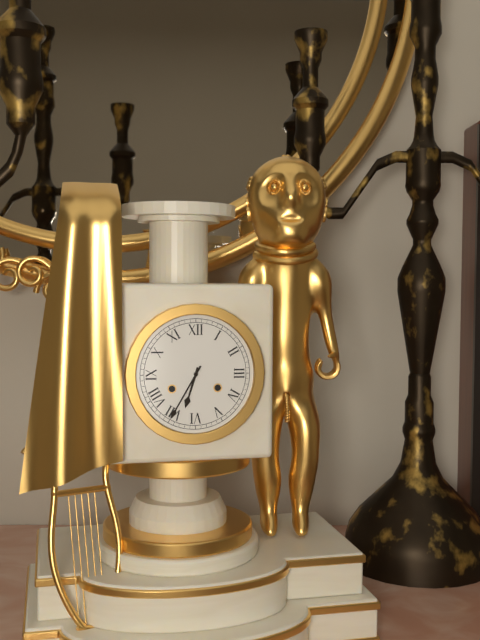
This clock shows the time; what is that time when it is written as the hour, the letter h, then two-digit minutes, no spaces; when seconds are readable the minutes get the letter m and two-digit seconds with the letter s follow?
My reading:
6h35
